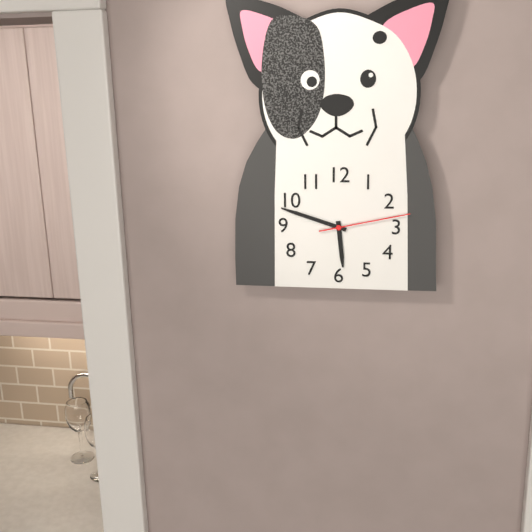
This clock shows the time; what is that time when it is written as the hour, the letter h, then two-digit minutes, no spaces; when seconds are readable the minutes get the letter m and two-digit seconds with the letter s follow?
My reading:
5h48m13s
